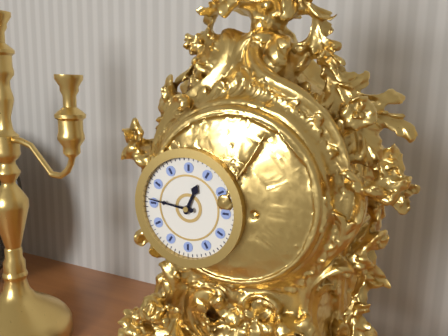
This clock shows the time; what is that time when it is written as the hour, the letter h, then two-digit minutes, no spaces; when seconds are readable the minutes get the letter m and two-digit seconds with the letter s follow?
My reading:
12h46
